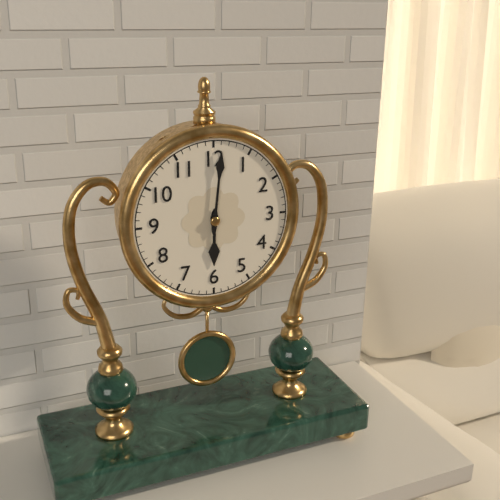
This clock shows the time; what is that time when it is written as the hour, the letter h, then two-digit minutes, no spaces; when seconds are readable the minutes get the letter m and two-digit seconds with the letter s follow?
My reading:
6h01
